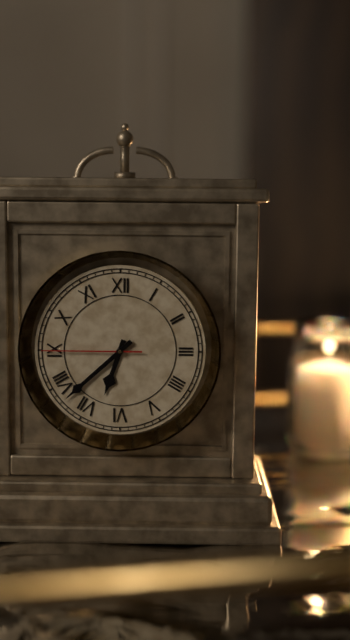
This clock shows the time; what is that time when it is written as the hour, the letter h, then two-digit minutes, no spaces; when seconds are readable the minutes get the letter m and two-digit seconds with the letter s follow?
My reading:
6h38m45s
